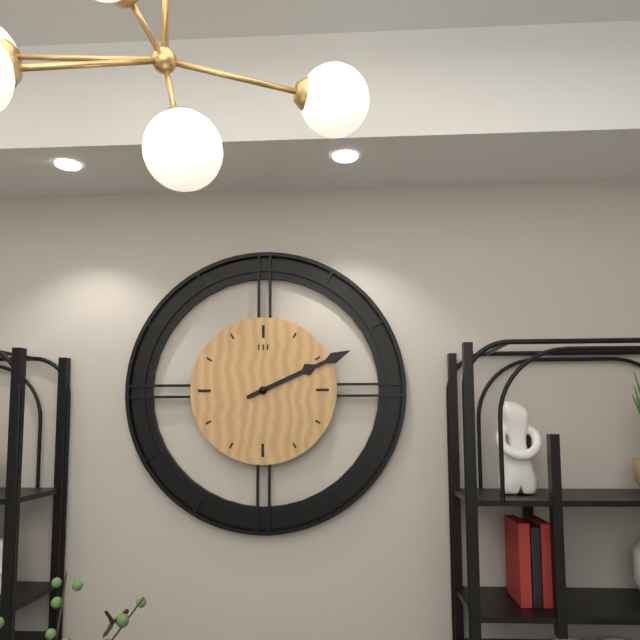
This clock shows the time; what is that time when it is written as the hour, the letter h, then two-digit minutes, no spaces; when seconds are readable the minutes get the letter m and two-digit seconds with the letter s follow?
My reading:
2h11
